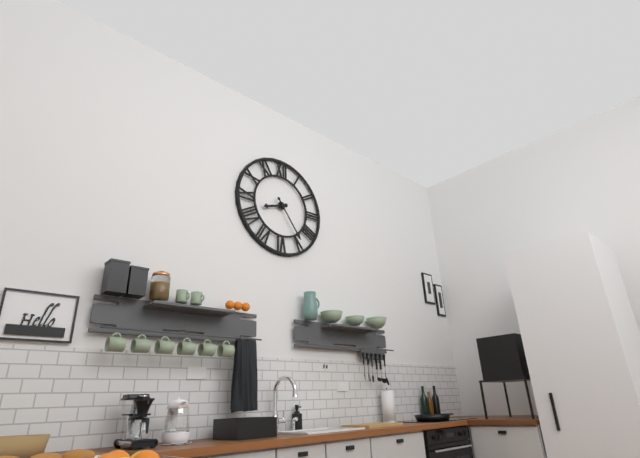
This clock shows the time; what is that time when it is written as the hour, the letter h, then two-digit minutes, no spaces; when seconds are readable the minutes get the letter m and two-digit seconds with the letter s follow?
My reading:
8h24
